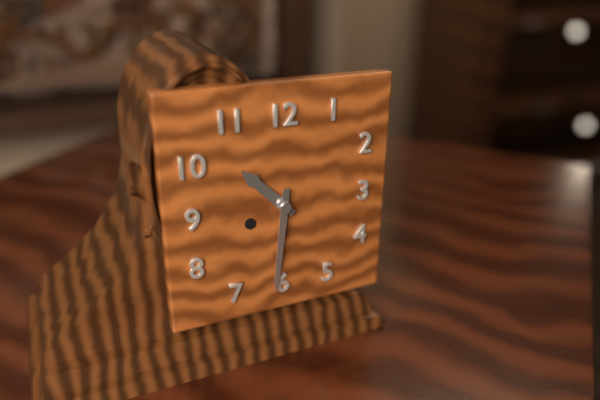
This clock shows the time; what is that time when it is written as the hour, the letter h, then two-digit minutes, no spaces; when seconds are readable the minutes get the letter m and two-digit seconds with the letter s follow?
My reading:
10h31
